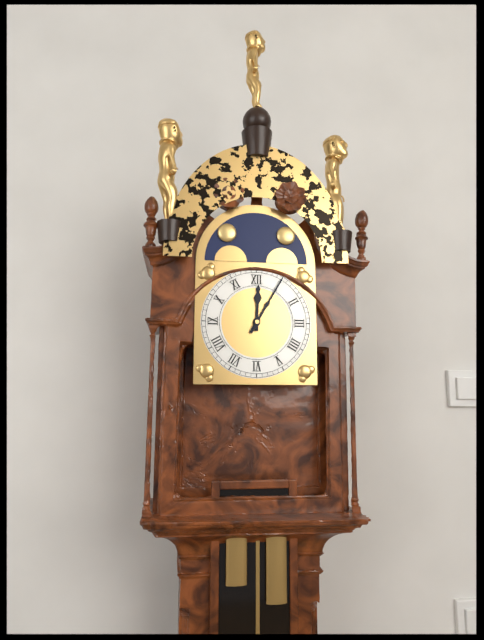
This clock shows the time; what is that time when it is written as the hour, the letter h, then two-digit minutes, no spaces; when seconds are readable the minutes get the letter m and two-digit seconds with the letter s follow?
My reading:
12h05
